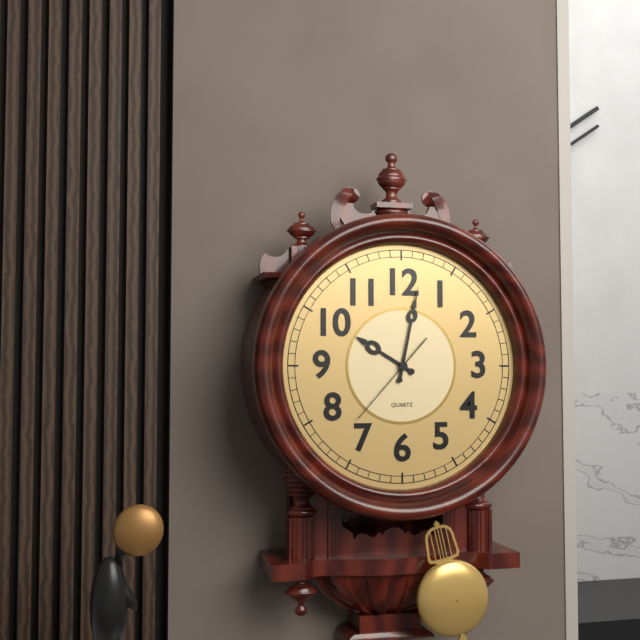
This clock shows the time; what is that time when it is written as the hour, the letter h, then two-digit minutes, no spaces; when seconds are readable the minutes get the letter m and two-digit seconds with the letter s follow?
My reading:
10h02m37s
